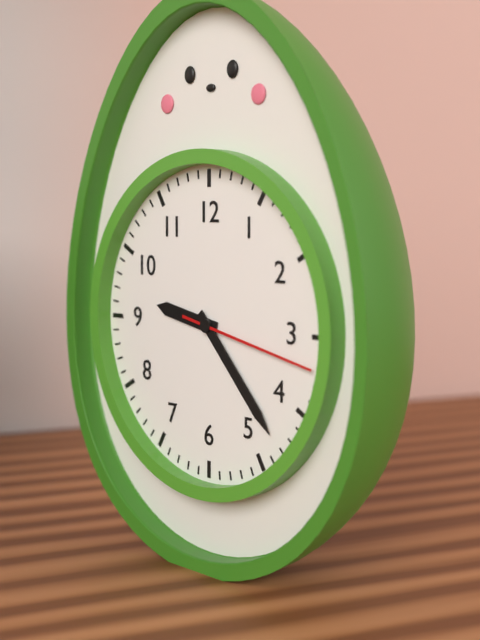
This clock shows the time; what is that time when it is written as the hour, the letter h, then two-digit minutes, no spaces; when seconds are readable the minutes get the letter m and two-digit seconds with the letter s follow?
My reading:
9h23m17s
